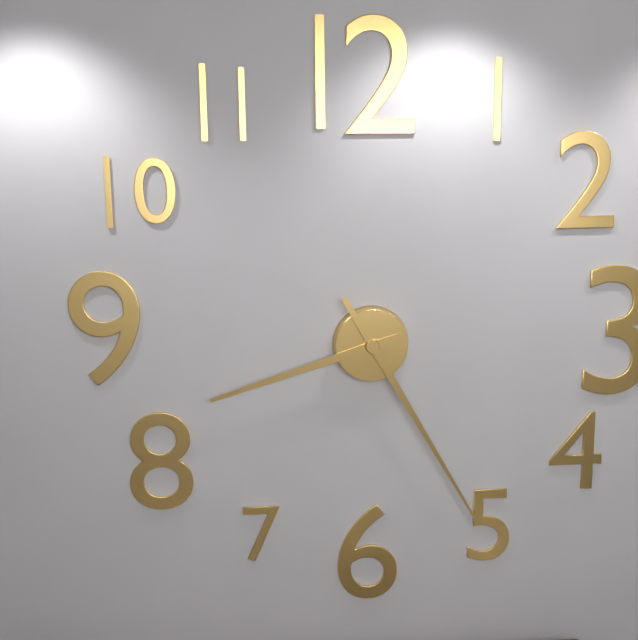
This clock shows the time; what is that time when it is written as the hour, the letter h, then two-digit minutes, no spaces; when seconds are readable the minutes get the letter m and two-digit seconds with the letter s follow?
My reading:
8h25
